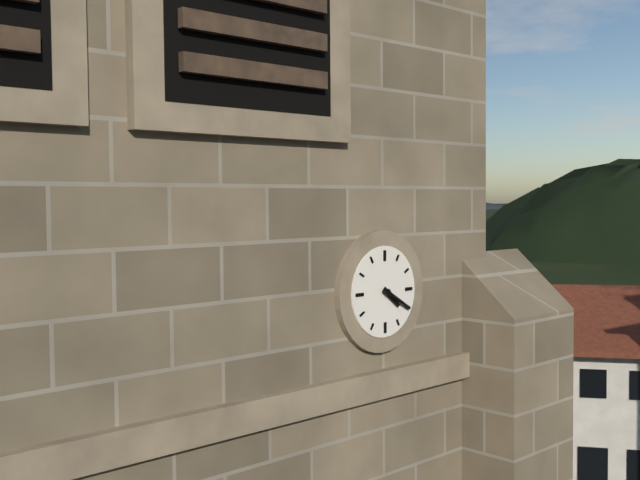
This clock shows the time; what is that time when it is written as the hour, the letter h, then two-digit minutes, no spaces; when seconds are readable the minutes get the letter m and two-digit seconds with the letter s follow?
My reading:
4h20
